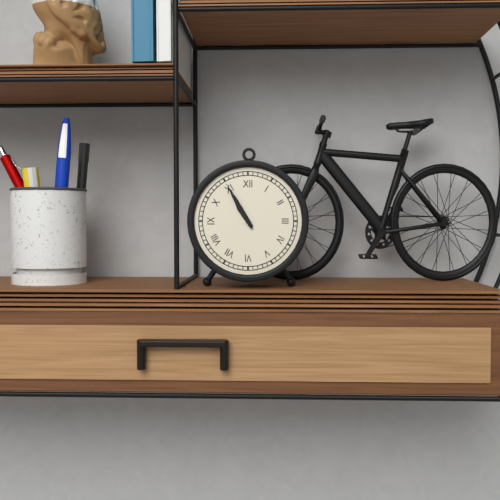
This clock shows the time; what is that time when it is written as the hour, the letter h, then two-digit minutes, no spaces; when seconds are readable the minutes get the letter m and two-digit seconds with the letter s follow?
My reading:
10h55
